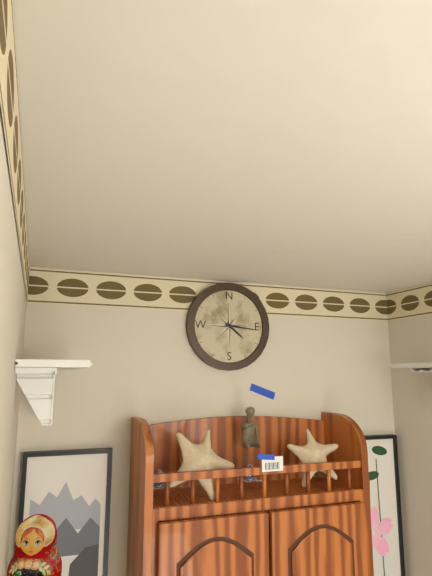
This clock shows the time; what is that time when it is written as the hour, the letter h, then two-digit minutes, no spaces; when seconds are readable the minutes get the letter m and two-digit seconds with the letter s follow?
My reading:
4h16
